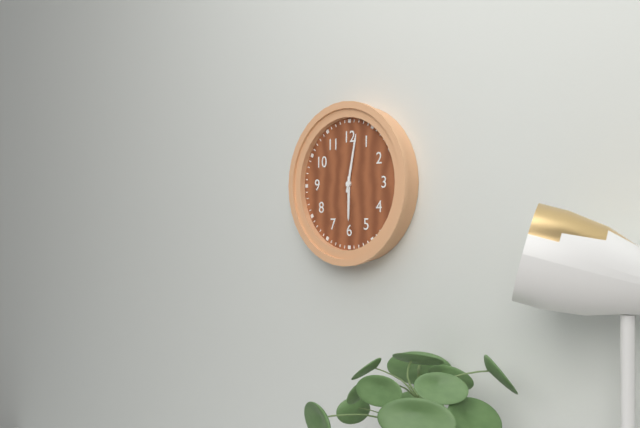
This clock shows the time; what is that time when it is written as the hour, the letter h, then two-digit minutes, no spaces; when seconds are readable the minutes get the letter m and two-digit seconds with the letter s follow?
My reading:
6h02
